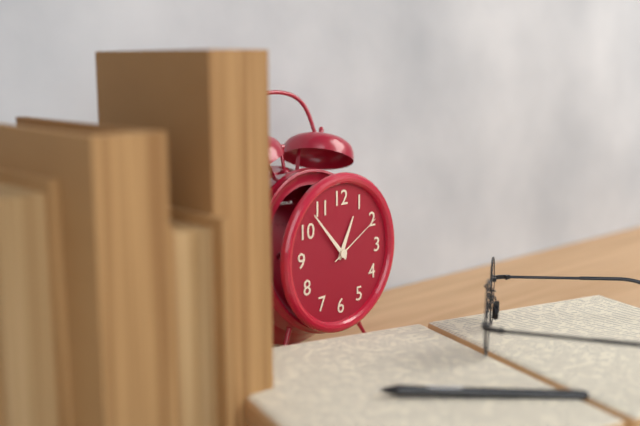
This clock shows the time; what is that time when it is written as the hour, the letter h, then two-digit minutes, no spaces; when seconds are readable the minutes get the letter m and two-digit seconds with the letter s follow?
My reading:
12h53m10s
